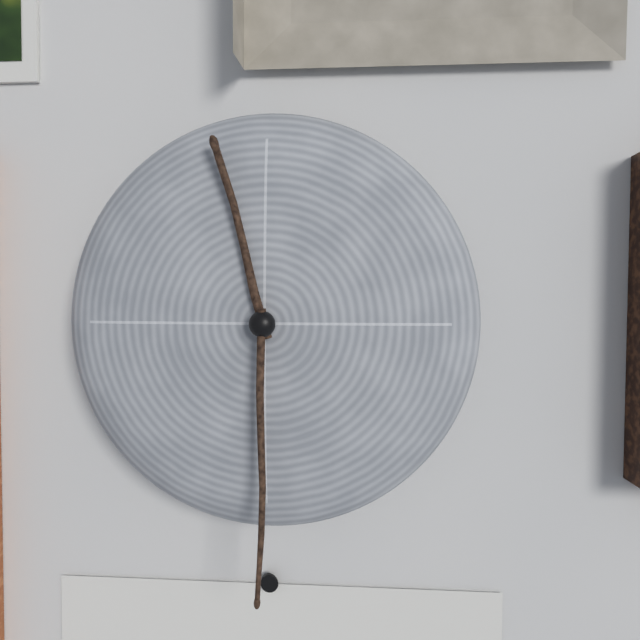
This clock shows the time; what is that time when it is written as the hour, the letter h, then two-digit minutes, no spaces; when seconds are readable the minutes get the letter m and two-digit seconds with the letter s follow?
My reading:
11h30
